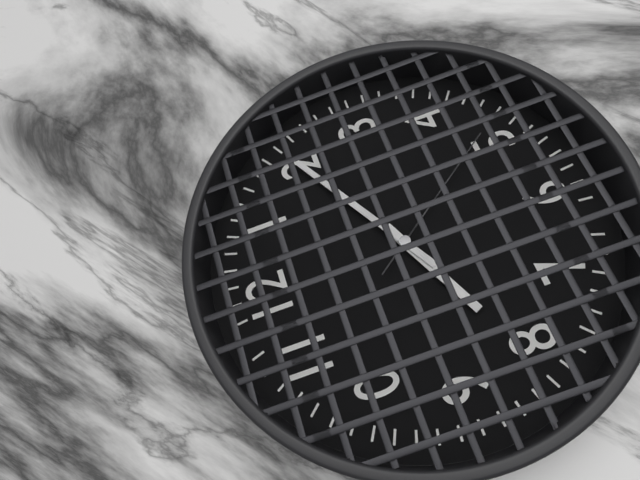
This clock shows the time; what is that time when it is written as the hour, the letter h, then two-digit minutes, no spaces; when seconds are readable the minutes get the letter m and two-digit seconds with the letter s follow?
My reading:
8h10m24s
